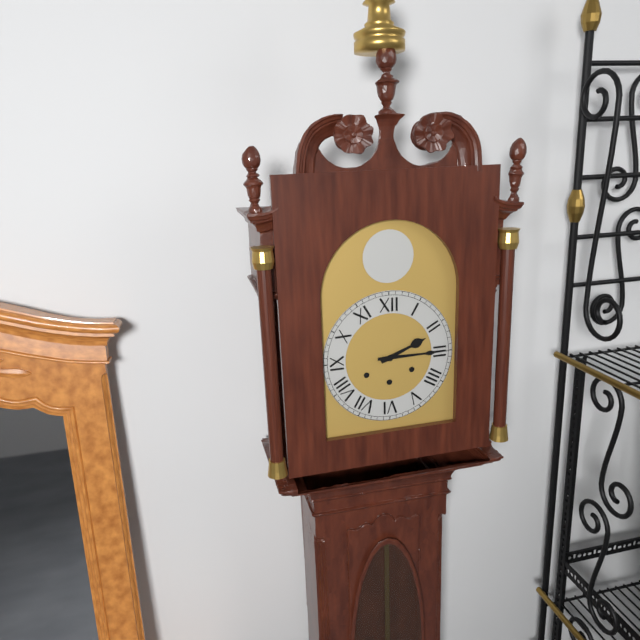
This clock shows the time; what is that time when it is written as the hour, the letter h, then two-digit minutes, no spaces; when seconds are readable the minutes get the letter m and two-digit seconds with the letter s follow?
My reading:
2h15
